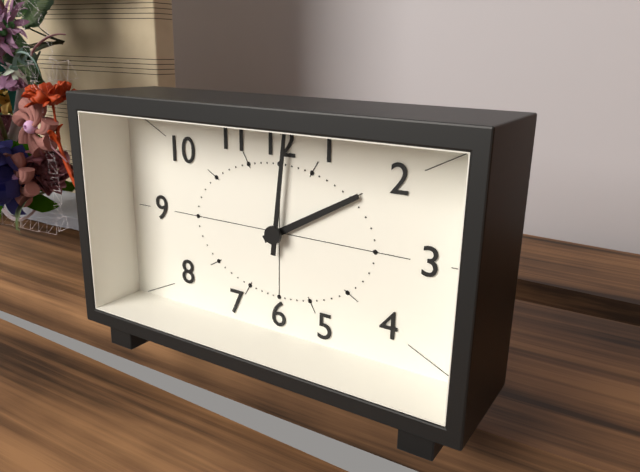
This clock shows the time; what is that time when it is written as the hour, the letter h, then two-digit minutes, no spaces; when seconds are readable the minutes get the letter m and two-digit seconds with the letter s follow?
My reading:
2h01
